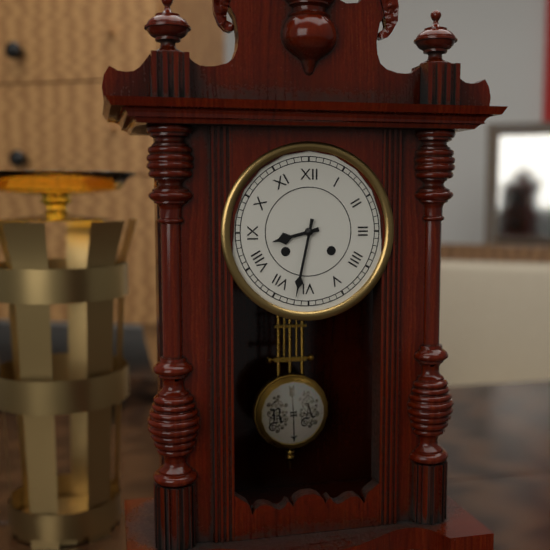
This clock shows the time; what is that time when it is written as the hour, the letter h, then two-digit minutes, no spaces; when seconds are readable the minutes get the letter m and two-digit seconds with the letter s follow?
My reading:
8h32
